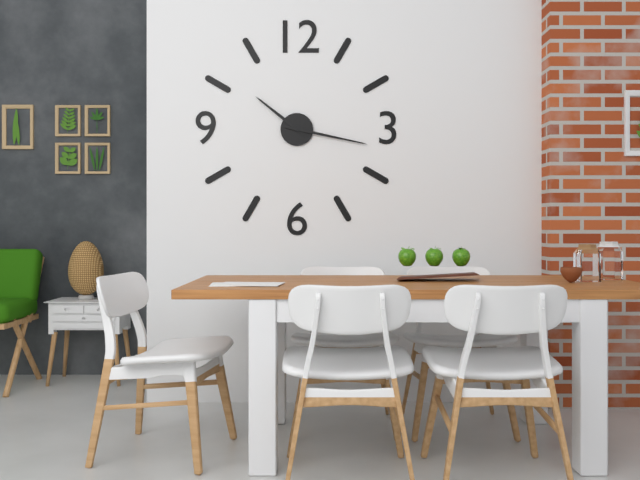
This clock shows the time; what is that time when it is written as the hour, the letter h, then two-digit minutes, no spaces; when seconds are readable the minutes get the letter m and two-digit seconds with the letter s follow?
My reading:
10h17
